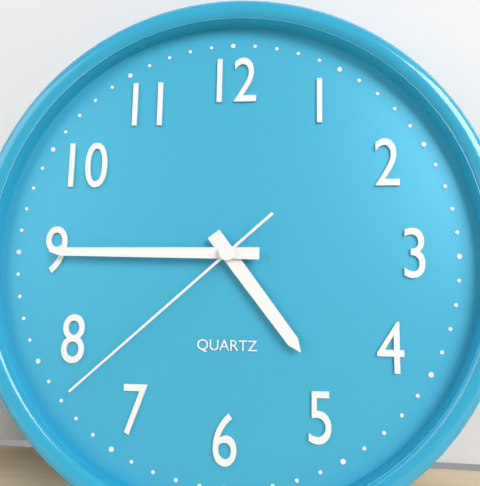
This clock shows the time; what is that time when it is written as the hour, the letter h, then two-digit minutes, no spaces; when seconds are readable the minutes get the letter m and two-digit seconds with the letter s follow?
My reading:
4h45m38s
